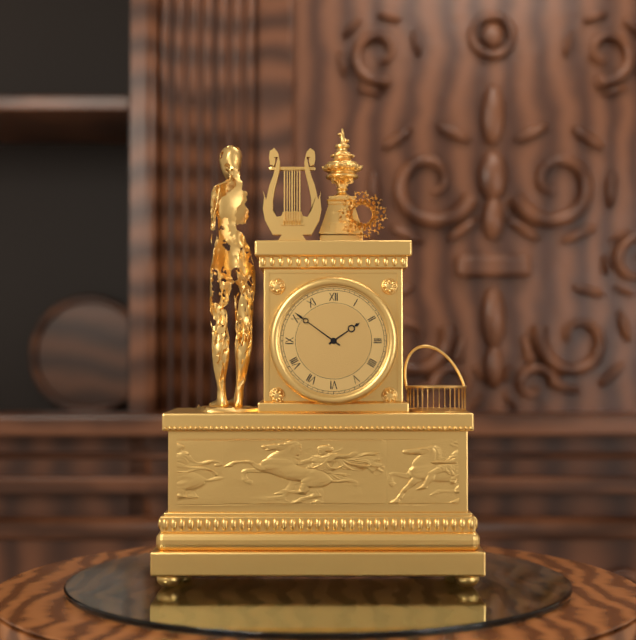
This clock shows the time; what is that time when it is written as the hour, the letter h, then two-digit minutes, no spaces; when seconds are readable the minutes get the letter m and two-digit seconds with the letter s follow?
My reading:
1h51
